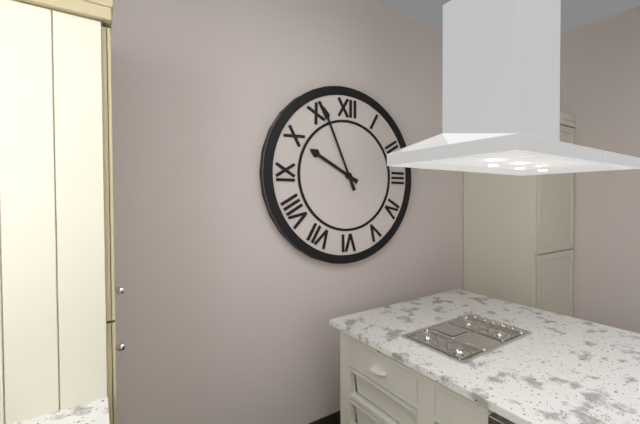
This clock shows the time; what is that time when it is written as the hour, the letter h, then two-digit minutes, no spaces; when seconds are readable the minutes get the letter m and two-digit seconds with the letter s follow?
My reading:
9h56
